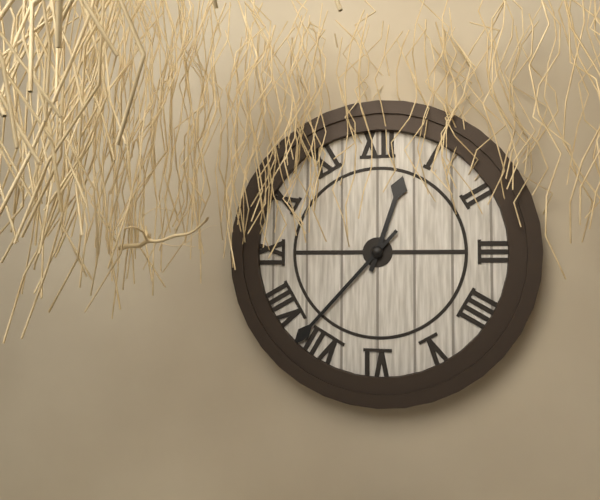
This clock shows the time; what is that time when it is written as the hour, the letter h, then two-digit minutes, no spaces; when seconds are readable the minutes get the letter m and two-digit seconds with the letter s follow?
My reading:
12h37
